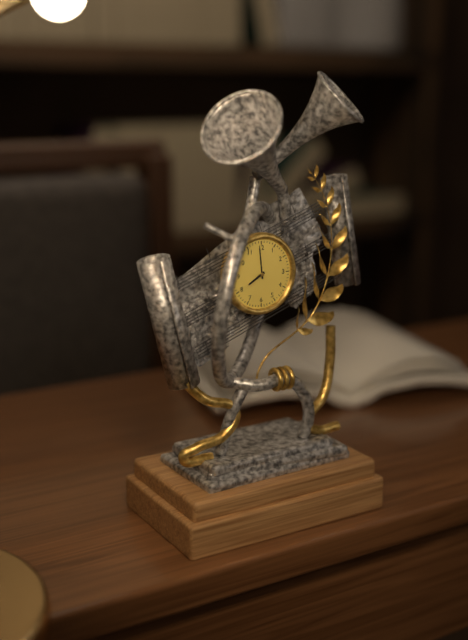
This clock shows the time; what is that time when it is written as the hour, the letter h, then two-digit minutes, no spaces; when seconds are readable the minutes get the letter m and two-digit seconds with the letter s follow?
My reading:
7h59
